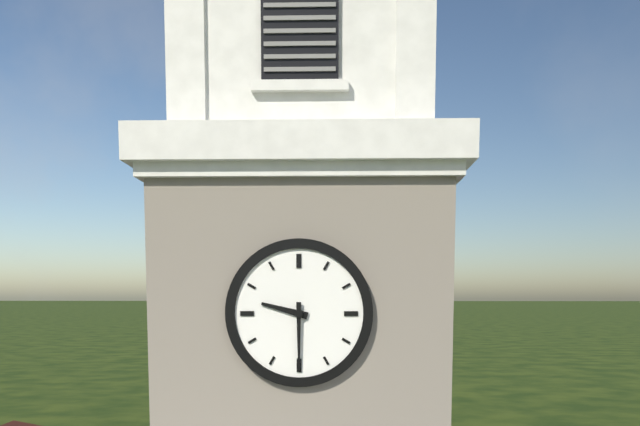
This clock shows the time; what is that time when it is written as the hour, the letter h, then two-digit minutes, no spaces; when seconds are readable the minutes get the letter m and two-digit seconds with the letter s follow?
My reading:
9h30
